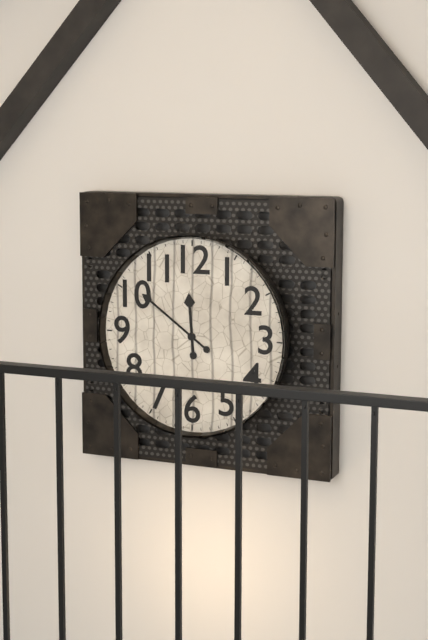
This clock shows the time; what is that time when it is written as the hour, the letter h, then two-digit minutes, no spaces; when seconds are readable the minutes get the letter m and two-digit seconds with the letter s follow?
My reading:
11h51
